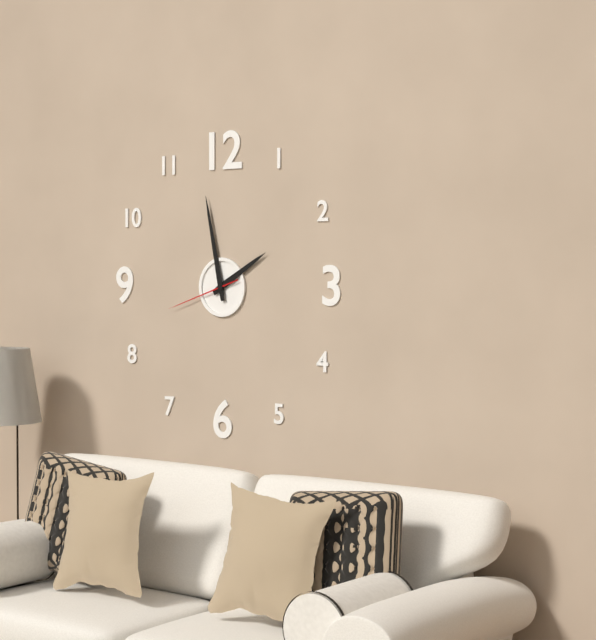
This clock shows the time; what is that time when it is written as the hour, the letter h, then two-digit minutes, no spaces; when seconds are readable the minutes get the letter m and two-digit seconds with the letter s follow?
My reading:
1h58m42s
